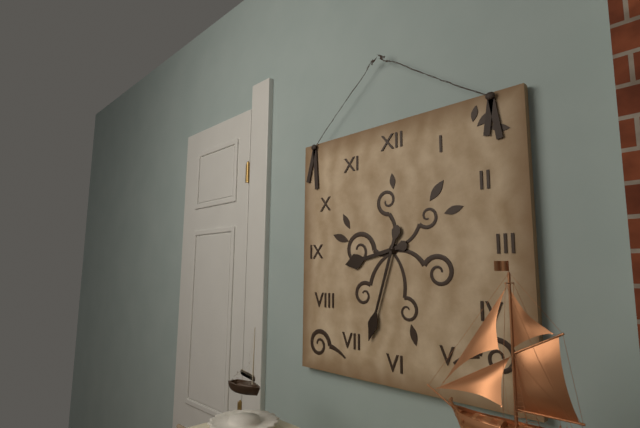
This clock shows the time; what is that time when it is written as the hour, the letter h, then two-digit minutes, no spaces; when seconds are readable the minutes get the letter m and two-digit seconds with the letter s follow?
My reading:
8h33
